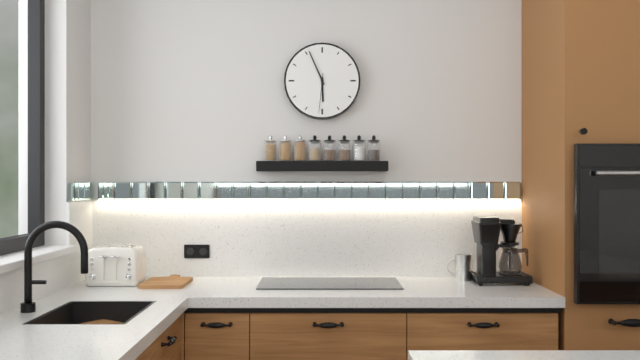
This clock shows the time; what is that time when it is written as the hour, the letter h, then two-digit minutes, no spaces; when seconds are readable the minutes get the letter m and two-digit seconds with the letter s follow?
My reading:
5h56
